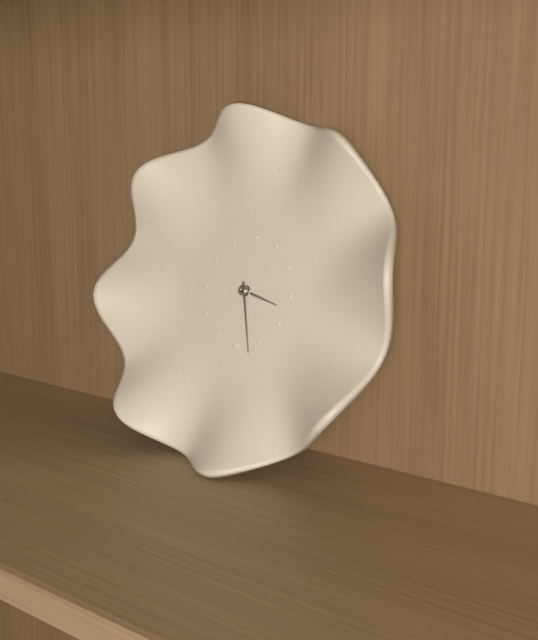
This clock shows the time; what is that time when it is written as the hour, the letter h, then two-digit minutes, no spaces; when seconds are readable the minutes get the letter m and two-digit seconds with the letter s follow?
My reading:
3h27
